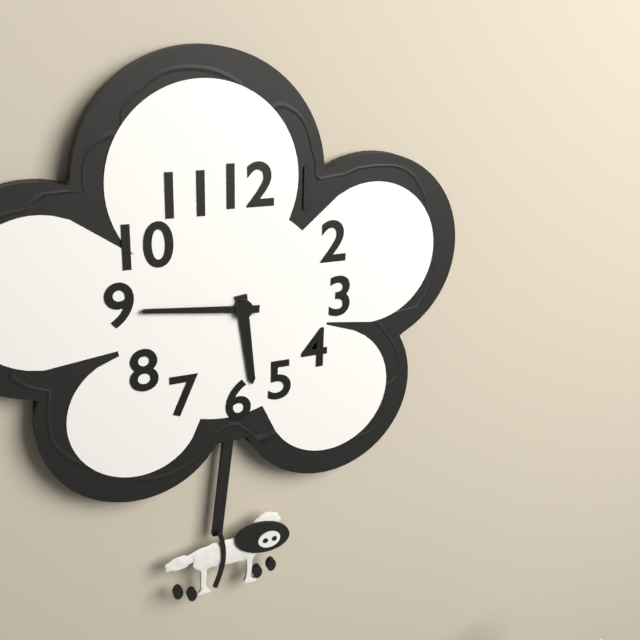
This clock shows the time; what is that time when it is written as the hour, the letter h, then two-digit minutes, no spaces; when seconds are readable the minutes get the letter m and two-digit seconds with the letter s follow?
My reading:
5h46
